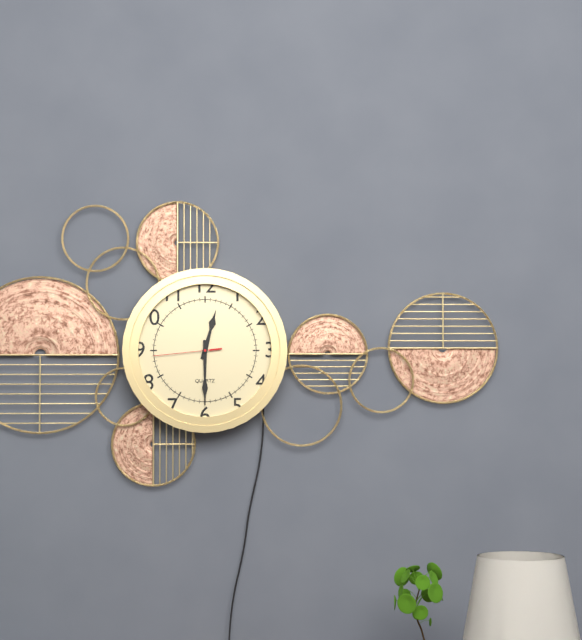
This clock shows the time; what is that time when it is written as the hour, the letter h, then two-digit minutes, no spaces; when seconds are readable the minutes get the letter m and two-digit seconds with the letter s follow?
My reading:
12h30m44s
